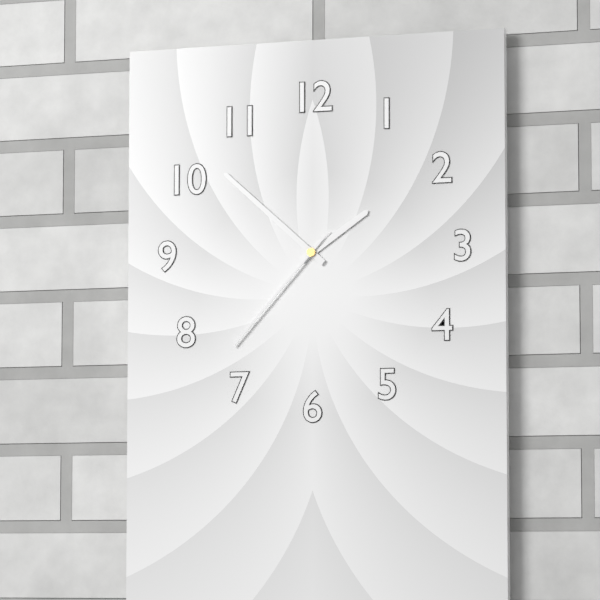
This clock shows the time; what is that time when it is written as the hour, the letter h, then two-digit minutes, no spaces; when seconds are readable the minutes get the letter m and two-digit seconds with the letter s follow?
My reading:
1h52m37s
